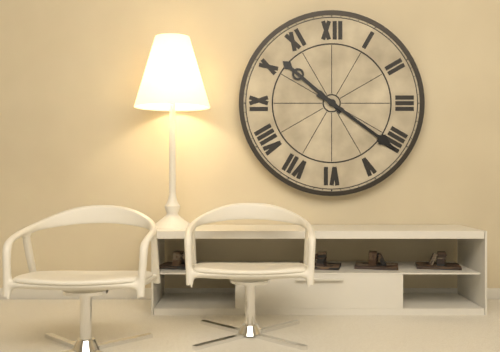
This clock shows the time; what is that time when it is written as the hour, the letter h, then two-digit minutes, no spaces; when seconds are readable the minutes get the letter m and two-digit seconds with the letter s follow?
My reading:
10h21
